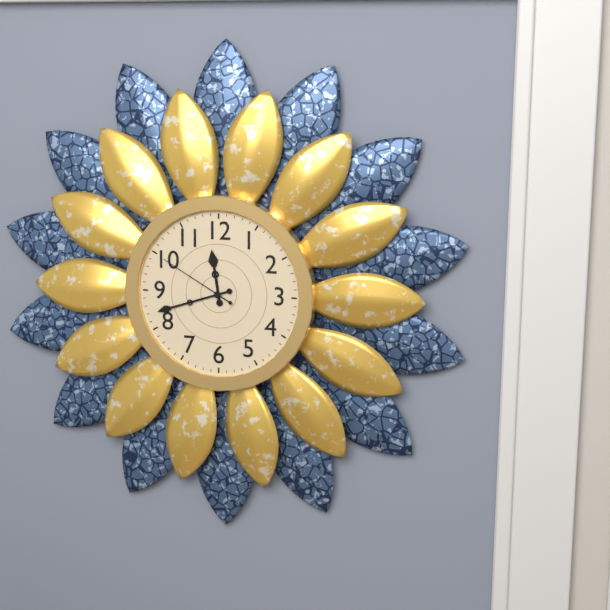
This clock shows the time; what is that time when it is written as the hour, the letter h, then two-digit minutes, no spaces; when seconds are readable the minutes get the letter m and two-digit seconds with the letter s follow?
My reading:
11h42m50s
